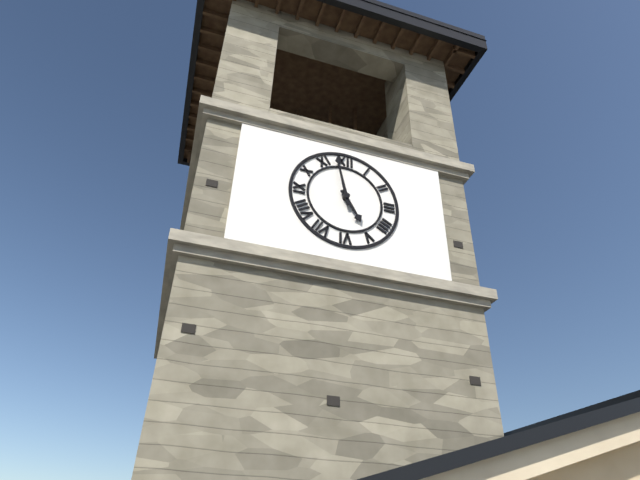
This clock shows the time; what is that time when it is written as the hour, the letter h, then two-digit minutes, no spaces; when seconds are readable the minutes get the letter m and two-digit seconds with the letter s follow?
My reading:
4h58
